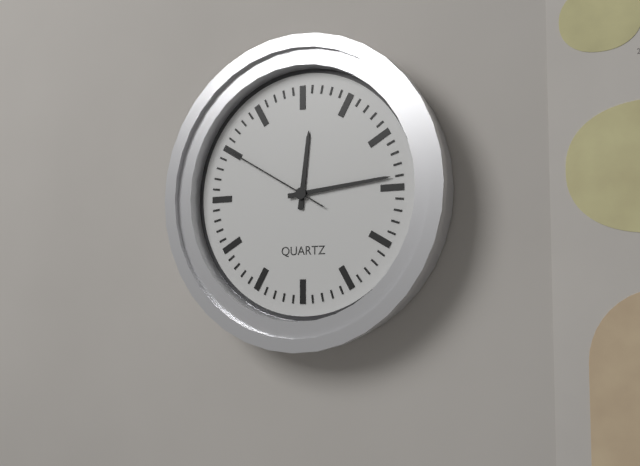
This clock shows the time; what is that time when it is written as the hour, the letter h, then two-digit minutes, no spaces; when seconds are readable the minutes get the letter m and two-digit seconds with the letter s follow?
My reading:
12h14m50s
